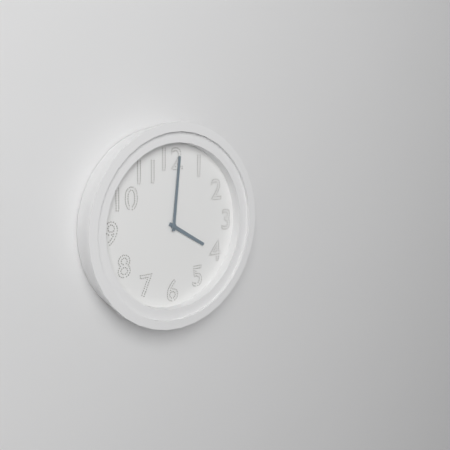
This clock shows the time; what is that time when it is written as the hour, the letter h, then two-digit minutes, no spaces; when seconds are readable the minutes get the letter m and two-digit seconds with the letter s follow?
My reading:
4h01
